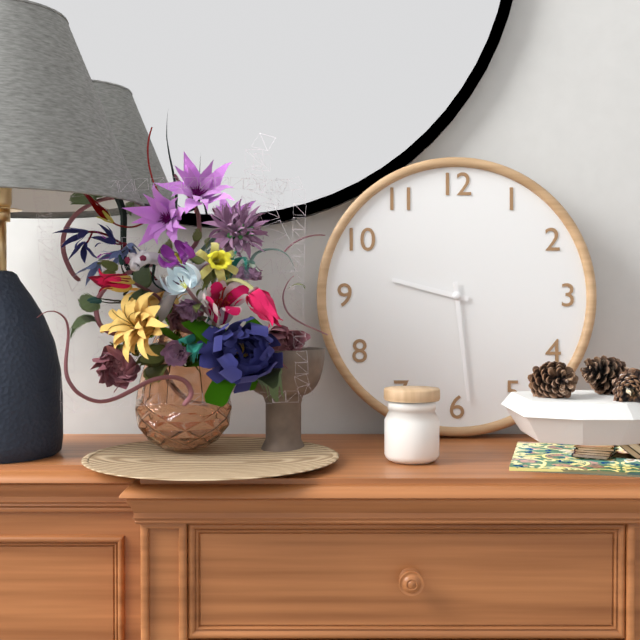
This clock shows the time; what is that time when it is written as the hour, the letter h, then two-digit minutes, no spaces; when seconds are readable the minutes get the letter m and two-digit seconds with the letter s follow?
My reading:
9h29
